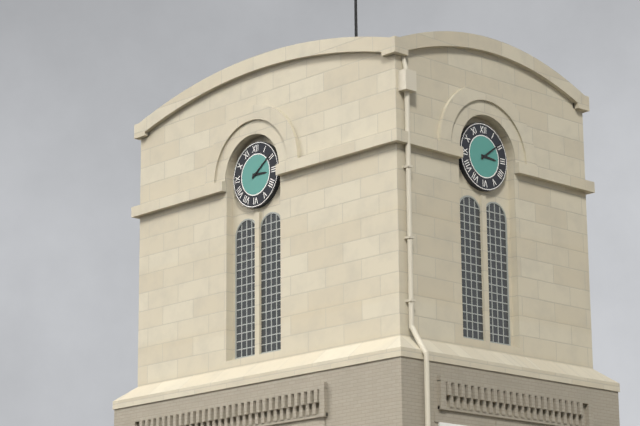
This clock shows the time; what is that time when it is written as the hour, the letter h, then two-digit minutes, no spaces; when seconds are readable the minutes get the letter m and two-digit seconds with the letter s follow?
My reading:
3h09
